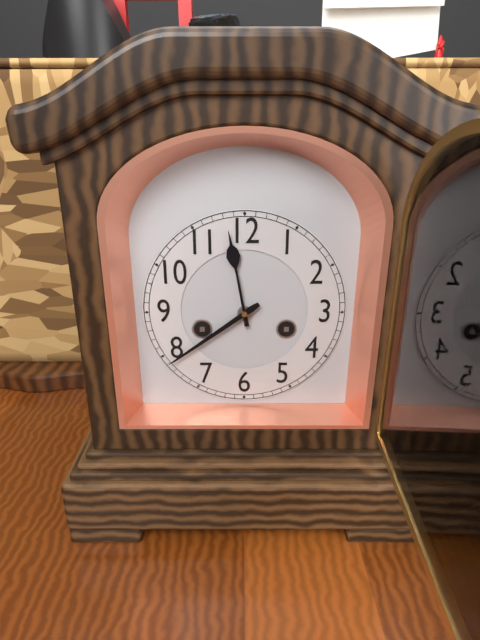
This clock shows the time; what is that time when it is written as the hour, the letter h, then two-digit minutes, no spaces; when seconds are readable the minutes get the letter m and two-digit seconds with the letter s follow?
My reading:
11h39
